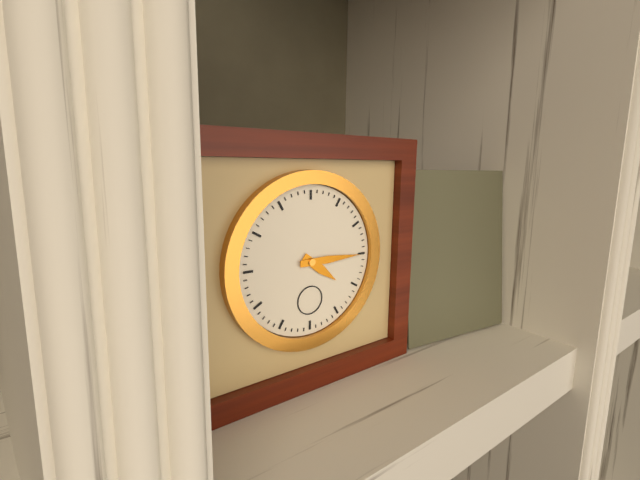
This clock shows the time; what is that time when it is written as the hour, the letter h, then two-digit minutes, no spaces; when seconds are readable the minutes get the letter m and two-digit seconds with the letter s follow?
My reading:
4h15
